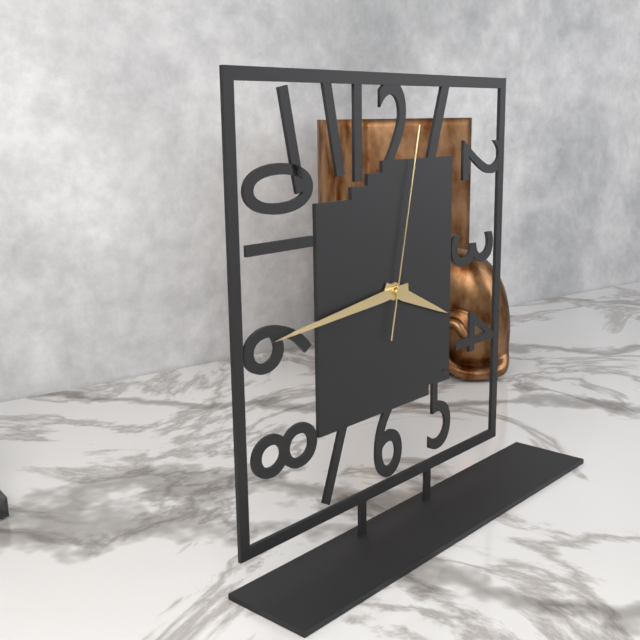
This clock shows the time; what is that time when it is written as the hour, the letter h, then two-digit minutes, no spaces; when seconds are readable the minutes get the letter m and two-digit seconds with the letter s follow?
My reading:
3h44m02s
